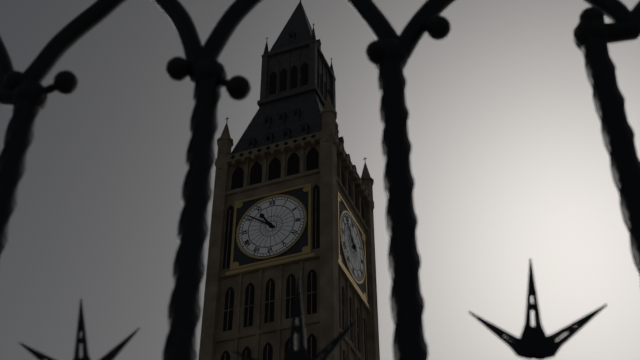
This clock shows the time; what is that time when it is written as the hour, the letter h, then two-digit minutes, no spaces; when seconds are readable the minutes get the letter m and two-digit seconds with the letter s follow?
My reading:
10h51
